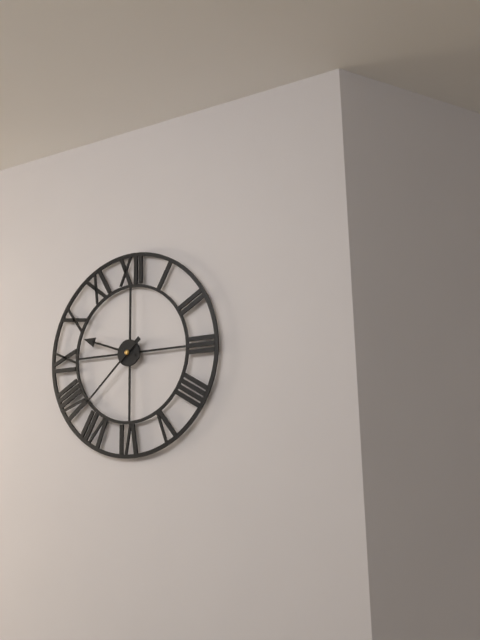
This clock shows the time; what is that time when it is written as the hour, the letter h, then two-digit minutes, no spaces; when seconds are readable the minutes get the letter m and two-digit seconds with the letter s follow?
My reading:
9h38
